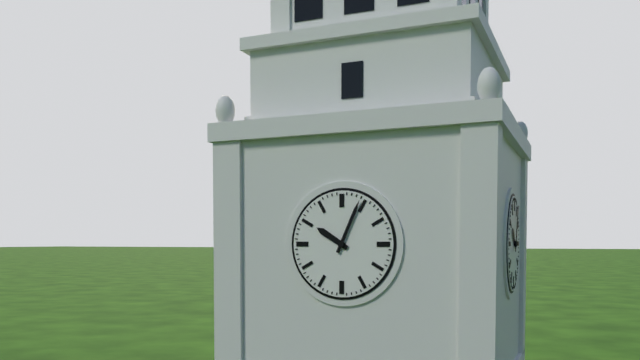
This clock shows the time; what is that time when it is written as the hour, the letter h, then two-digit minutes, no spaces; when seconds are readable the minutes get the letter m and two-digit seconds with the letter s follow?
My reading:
10h04
